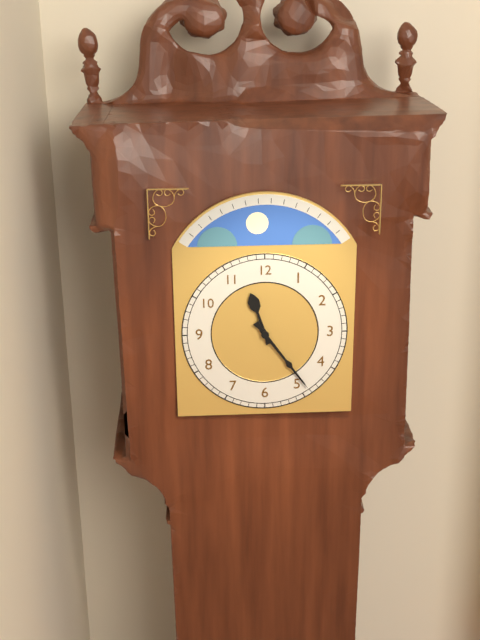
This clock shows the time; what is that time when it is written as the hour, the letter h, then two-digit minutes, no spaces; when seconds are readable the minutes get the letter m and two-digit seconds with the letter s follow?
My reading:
11h24
